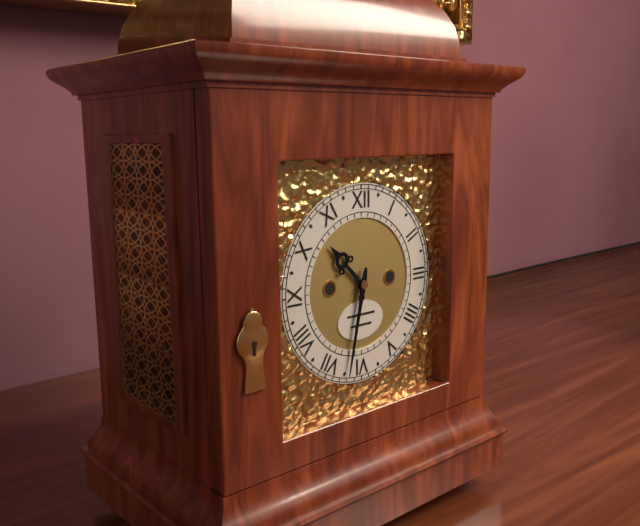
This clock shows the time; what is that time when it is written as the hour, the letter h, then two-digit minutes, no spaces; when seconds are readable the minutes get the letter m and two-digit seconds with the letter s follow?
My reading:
10h32
